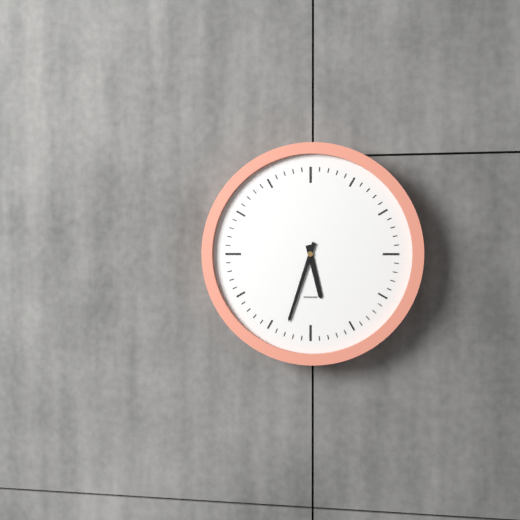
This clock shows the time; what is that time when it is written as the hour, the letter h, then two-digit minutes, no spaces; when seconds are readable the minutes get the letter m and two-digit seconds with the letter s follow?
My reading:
5h33
